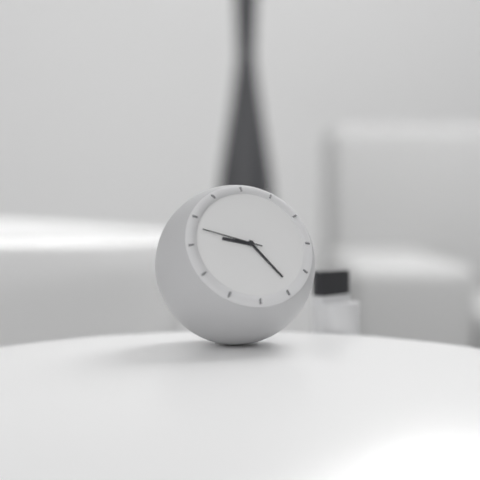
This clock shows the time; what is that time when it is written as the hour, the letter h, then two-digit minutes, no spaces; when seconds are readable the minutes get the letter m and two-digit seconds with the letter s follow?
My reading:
9h24m48s
